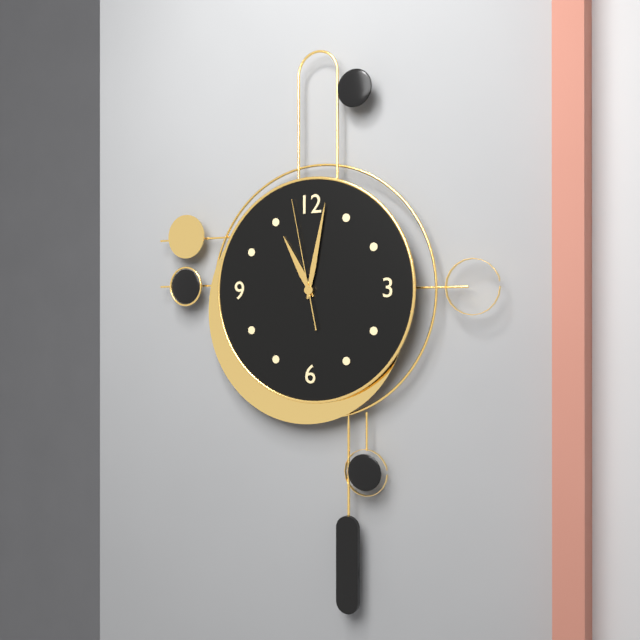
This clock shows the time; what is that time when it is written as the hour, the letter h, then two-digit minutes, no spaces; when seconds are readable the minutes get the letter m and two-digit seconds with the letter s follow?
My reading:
11h02m58s
